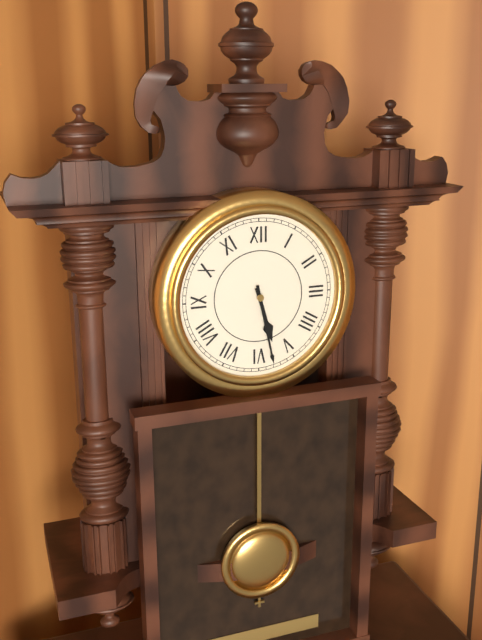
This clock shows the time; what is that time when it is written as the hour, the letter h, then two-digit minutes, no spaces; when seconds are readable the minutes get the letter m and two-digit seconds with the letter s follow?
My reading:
5h28
